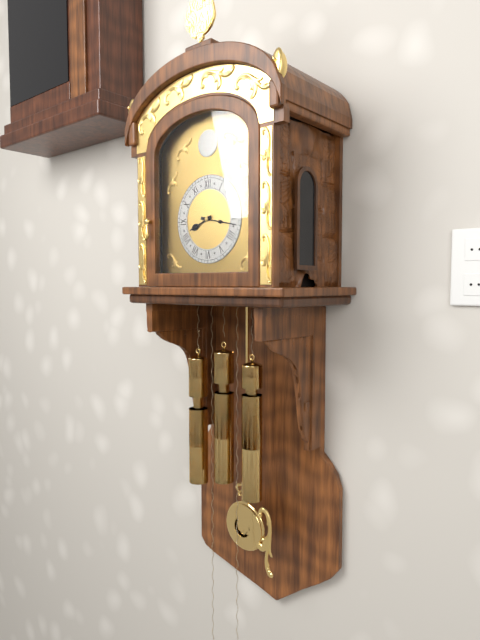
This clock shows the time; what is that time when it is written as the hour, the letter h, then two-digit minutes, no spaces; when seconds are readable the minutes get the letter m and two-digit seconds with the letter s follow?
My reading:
8h17
